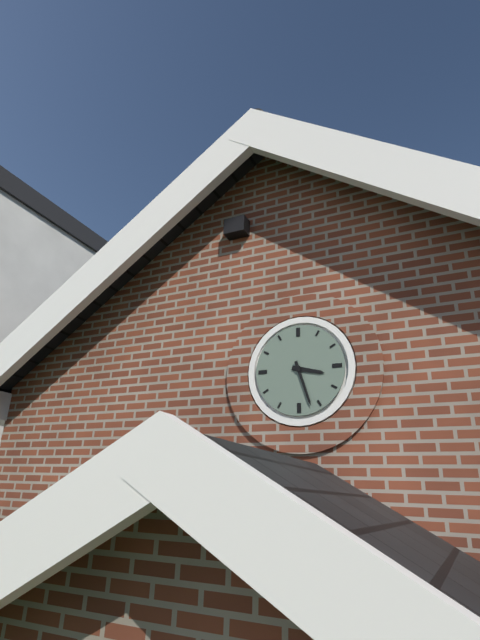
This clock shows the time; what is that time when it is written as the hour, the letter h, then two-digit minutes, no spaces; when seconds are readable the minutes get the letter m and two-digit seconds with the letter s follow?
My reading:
3h27
